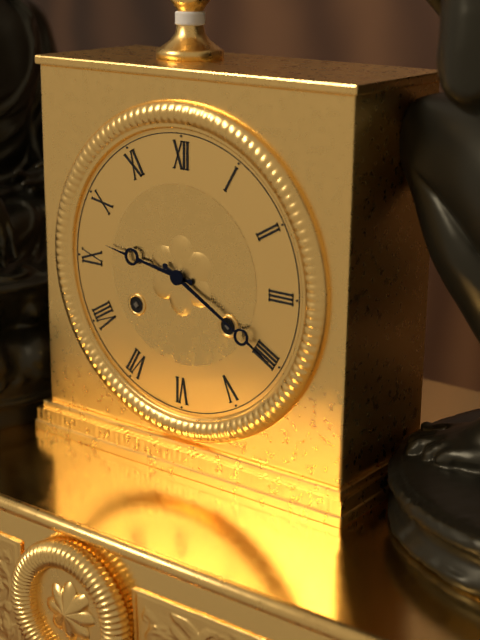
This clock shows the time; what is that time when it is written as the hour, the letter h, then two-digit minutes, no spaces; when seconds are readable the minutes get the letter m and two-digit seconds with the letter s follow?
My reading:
9h20
